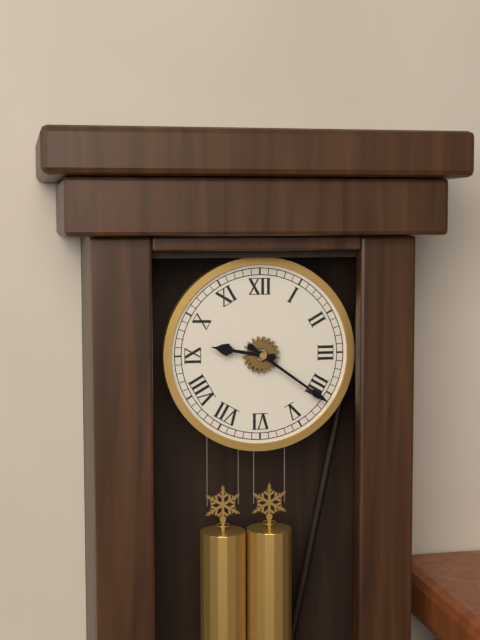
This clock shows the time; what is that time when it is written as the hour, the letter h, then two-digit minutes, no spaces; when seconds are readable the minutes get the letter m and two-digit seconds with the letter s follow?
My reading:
9h21
